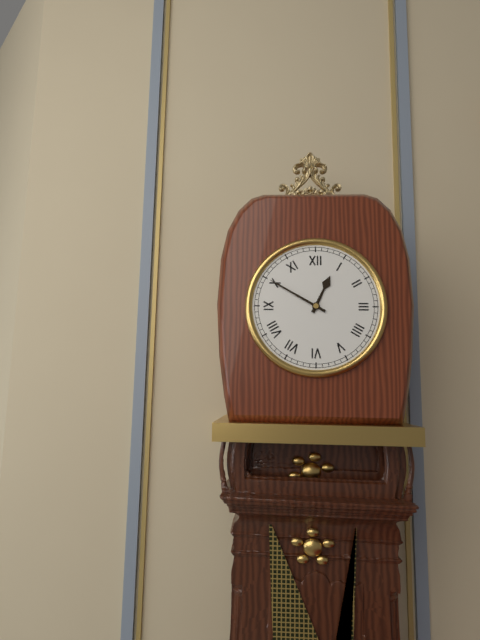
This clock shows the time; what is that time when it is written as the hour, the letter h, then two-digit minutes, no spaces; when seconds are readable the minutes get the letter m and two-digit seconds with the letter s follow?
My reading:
12h50
